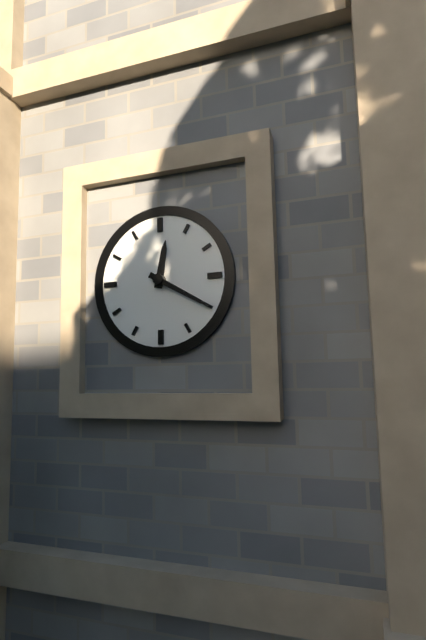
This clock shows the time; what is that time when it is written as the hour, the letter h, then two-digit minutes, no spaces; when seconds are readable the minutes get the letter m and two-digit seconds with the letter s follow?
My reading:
12h20
